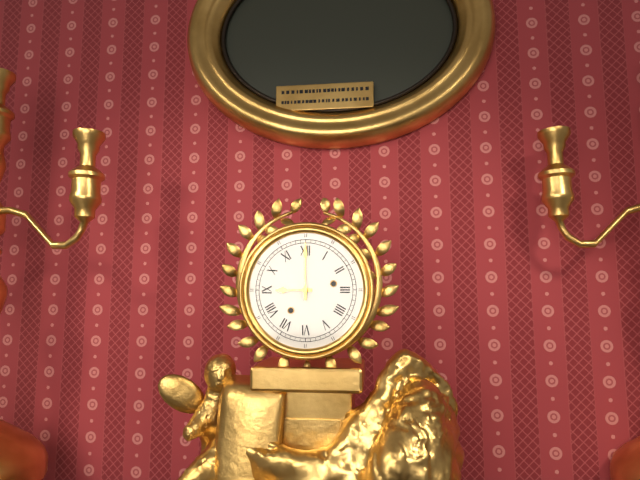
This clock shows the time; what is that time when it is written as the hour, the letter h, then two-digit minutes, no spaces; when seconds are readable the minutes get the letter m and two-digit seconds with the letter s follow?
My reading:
9h00
